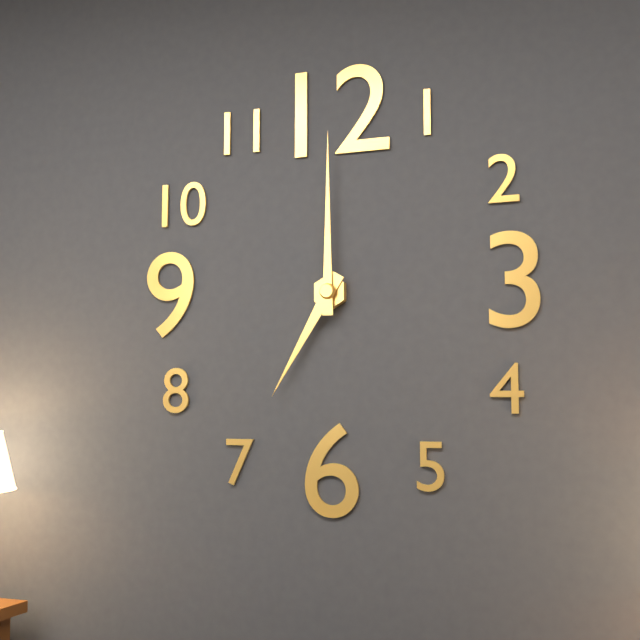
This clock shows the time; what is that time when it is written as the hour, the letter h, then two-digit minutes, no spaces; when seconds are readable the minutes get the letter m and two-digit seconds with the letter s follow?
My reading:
7h00
